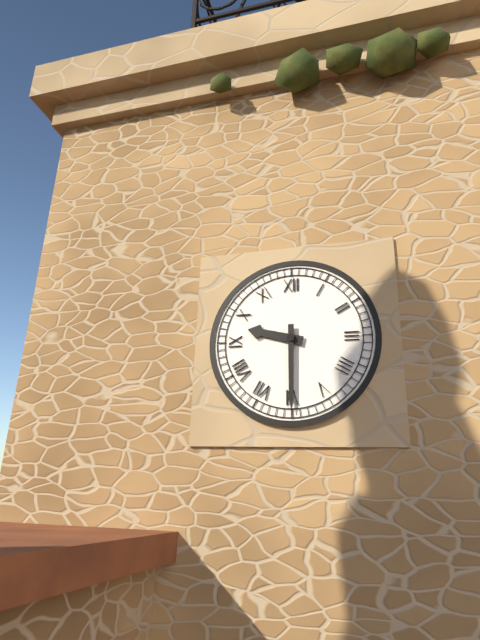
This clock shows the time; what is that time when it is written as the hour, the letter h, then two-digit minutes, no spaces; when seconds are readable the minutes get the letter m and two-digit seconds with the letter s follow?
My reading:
9h30
